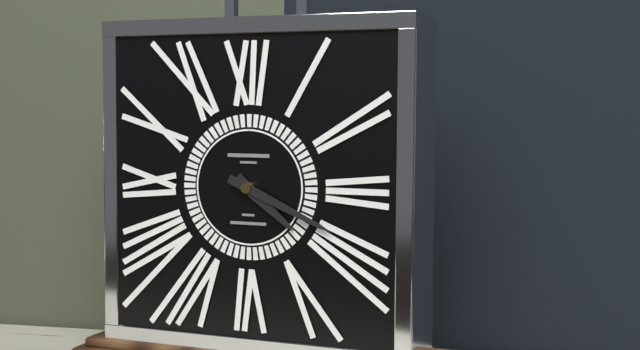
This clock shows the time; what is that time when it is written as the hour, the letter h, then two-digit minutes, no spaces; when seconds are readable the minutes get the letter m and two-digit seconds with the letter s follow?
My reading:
4h19
